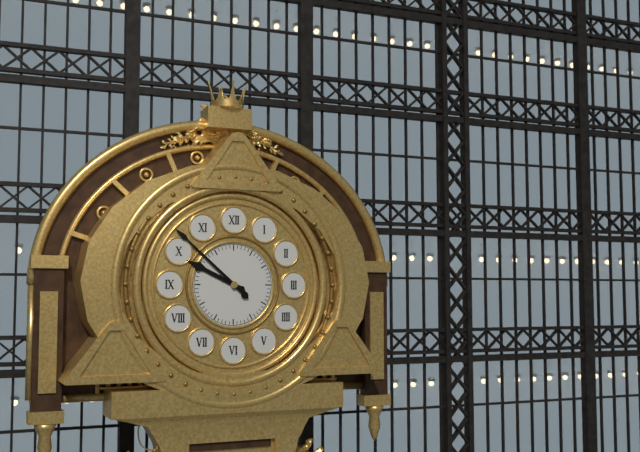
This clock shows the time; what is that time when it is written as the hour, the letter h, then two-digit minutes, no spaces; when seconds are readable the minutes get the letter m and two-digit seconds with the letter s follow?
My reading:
9h52
